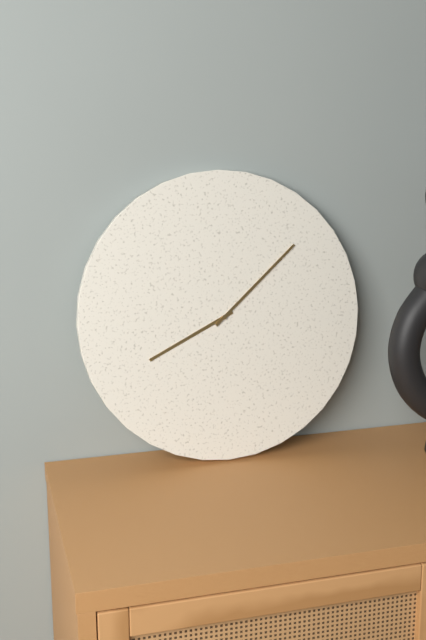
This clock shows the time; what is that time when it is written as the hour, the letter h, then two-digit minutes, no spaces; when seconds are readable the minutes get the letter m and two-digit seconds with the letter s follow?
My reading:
8h08
